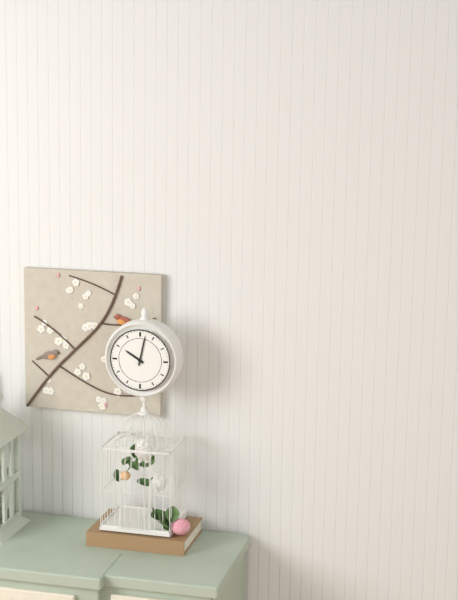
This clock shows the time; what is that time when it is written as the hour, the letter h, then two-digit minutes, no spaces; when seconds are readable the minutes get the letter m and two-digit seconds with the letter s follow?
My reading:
10h02
